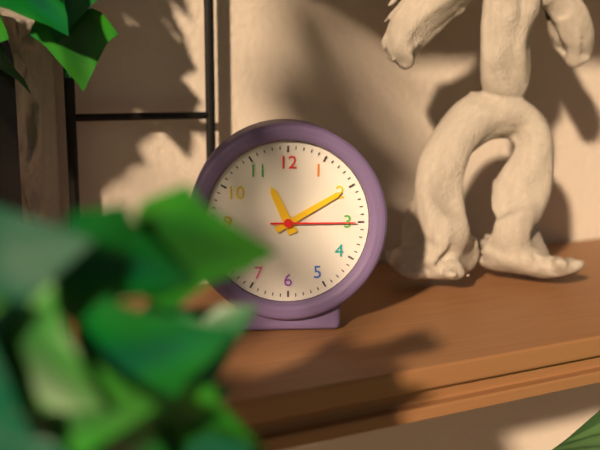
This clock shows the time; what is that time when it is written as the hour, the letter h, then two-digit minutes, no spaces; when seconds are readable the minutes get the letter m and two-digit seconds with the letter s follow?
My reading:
11h10m15s
